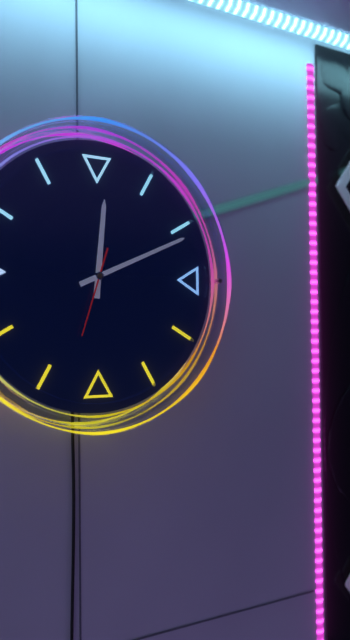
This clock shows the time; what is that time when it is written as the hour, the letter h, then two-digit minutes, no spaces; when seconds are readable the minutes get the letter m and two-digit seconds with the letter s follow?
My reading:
12h11m33s
